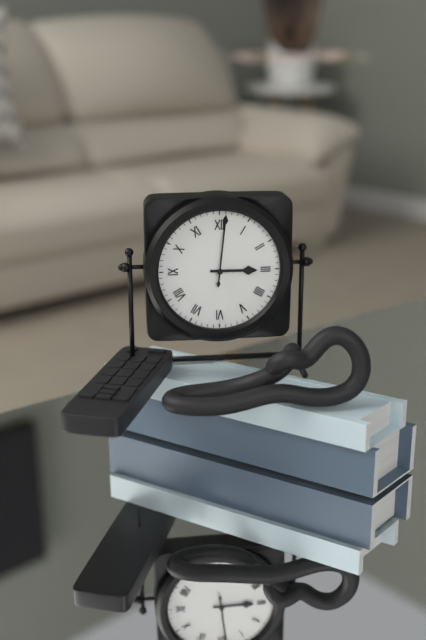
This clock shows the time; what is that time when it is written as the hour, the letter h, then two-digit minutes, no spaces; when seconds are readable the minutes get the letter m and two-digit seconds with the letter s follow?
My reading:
3h01
